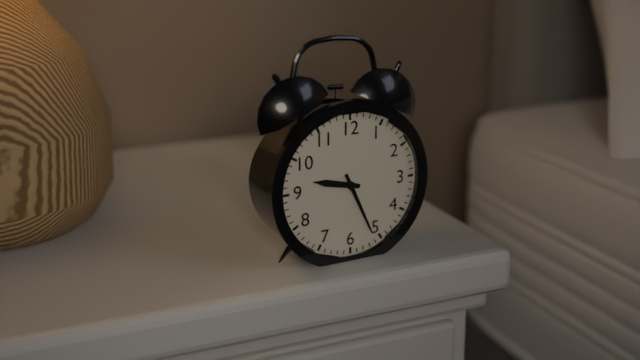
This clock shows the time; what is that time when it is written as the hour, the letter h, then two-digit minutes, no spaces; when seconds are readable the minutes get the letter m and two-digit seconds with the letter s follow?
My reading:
9h26
